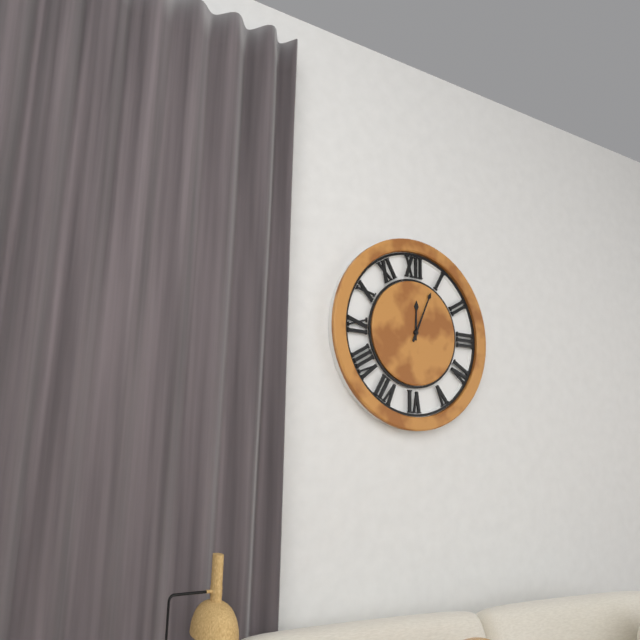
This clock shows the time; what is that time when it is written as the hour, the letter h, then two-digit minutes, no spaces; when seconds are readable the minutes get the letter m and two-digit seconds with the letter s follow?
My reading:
12h04
